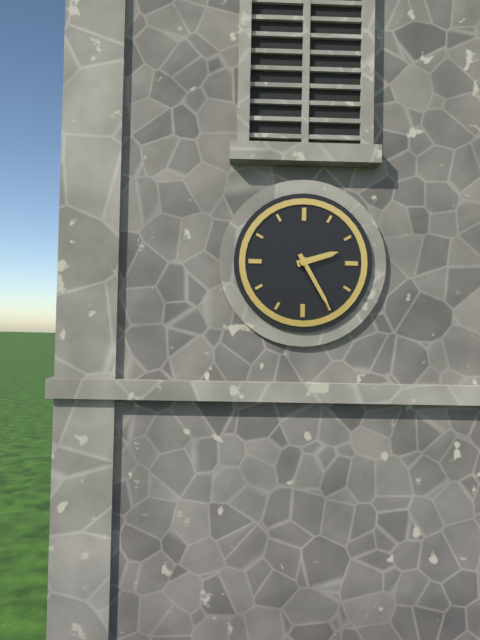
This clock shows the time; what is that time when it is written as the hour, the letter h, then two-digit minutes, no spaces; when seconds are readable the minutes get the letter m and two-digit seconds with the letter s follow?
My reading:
2h25
